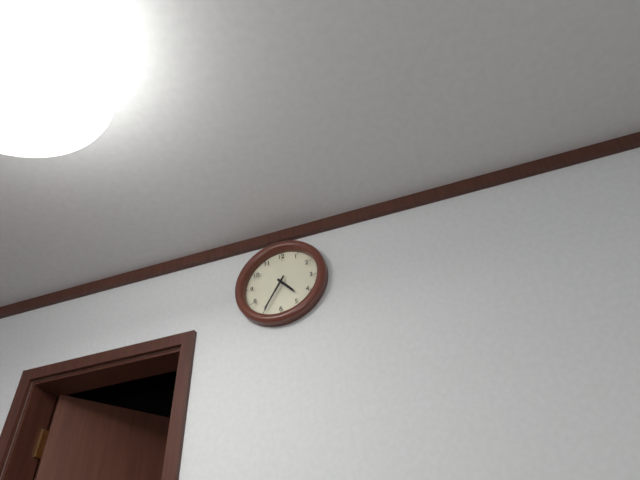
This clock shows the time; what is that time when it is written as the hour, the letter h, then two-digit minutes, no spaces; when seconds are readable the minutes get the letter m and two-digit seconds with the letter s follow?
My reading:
4h35
